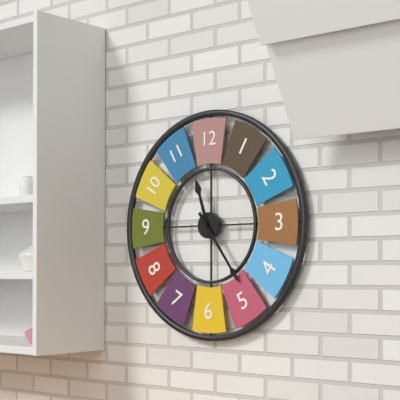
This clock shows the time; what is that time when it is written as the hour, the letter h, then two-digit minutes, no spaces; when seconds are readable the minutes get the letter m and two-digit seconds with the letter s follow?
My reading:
11h24
